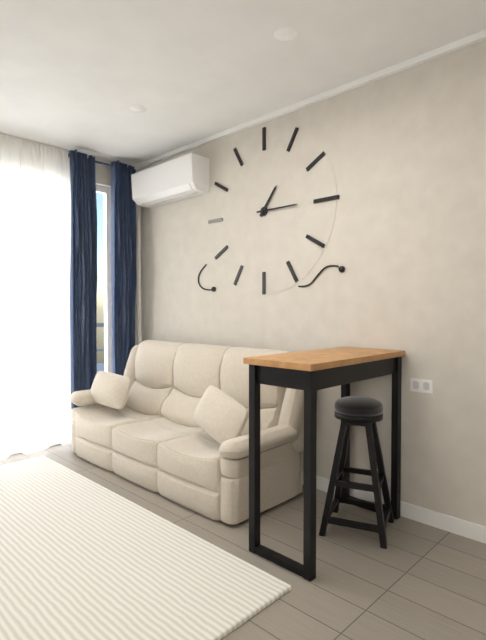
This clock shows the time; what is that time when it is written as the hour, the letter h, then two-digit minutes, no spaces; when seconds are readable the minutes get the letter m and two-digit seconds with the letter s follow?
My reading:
1h15
